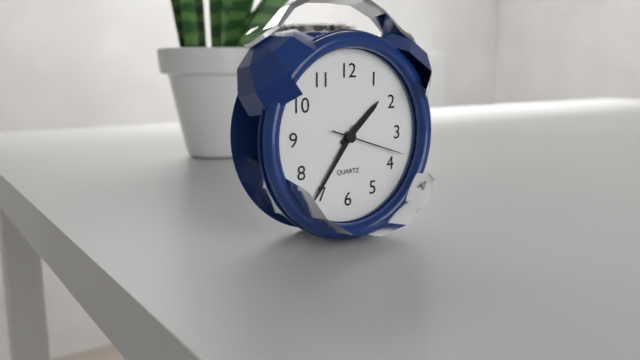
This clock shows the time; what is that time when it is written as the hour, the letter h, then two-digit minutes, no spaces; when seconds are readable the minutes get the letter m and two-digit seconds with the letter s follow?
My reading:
1h36m18s
